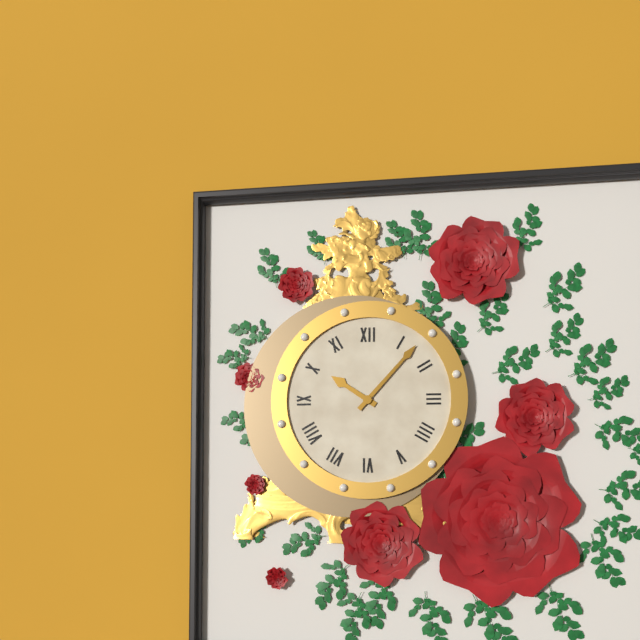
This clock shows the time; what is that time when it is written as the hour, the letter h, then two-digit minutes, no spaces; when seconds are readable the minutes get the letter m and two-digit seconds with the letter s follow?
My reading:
10h07
